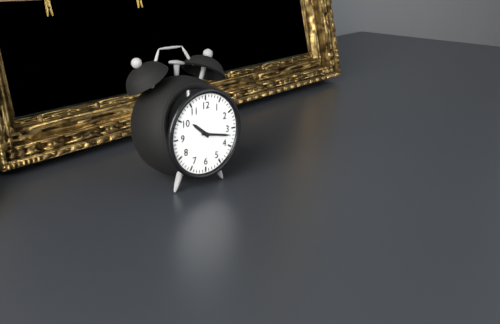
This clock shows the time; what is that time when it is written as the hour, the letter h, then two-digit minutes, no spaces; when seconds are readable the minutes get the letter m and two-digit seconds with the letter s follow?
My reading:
10h17
